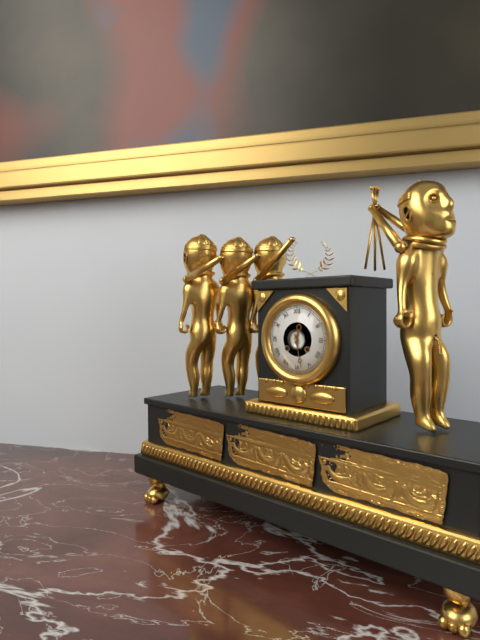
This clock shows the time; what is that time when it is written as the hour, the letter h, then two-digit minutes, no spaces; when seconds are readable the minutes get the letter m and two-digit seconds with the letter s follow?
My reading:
12h28
